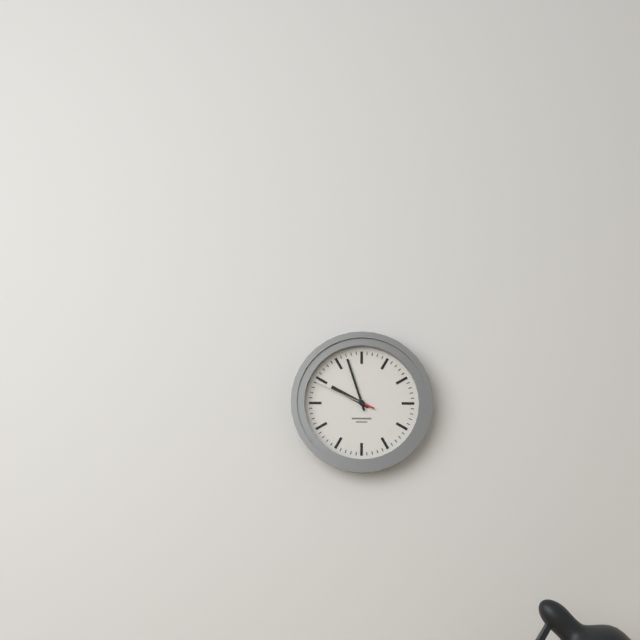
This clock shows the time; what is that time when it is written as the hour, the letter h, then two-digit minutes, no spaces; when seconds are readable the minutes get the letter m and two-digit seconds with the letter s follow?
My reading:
9h57m49s
